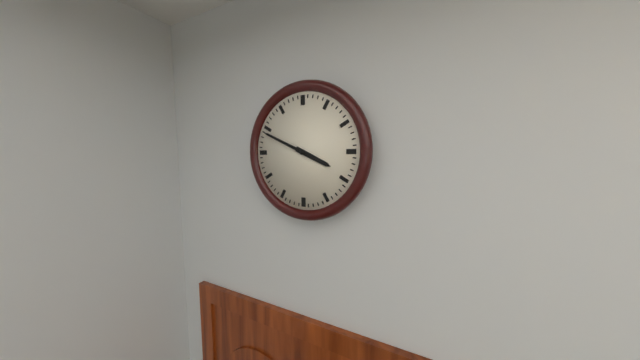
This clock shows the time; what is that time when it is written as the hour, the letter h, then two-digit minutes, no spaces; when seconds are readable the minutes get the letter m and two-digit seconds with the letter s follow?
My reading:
3h49
